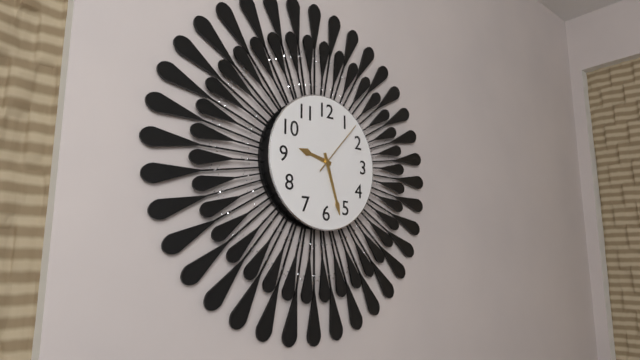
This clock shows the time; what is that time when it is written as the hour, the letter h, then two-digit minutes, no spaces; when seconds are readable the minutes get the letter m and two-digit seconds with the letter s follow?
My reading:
9h27m07s
